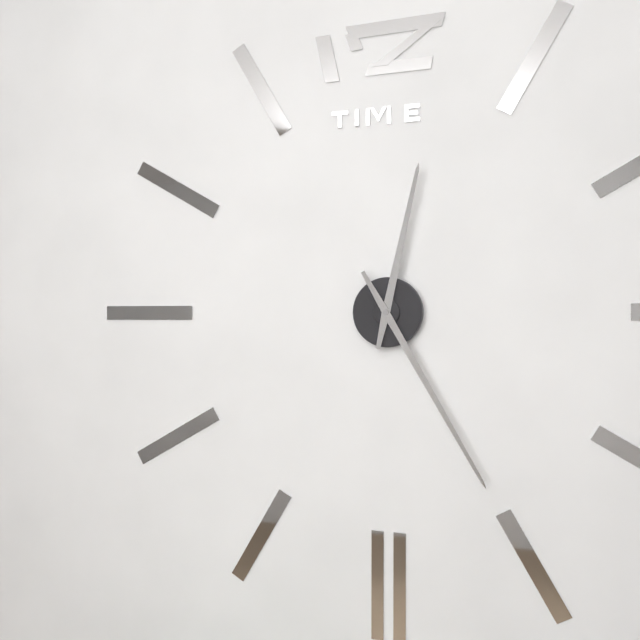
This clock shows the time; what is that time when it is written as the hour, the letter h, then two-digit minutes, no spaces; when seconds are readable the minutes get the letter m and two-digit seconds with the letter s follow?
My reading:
12h25
